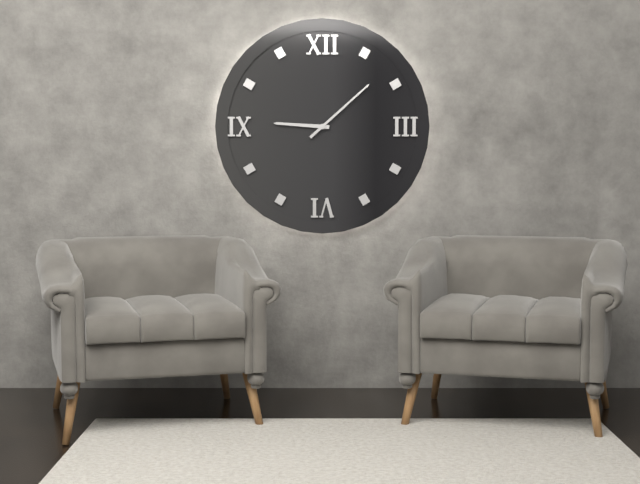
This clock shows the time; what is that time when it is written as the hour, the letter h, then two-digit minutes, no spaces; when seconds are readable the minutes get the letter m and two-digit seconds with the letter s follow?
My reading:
9h08
